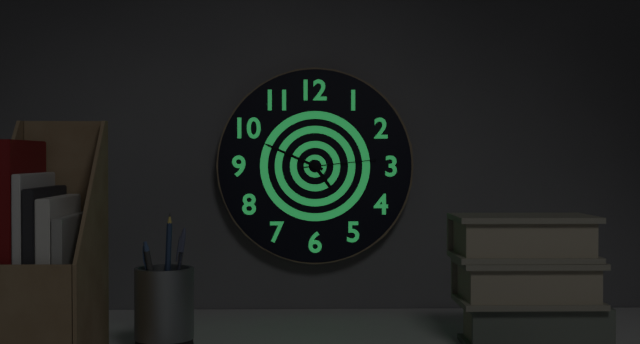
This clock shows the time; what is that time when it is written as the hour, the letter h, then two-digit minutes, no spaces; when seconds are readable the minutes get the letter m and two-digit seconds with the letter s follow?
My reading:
4h49m14s
